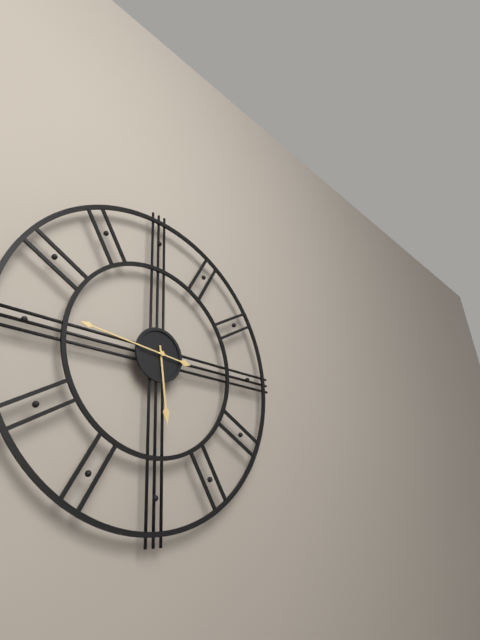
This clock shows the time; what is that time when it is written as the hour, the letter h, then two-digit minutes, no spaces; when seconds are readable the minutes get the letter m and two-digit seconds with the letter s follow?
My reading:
5h46
